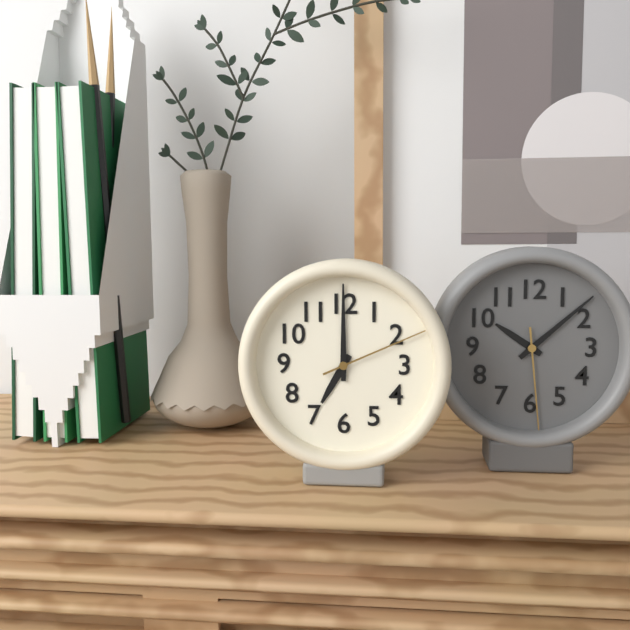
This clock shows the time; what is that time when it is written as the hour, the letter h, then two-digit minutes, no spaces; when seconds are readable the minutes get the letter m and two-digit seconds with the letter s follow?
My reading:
7h00m11s
